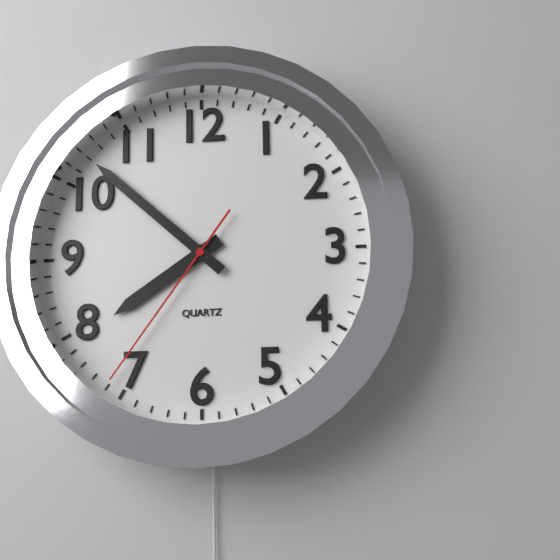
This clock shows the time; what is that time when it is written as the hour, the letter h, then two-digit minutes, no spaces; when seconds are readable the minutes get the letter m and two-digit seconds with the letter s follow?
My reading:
7h52m36s
